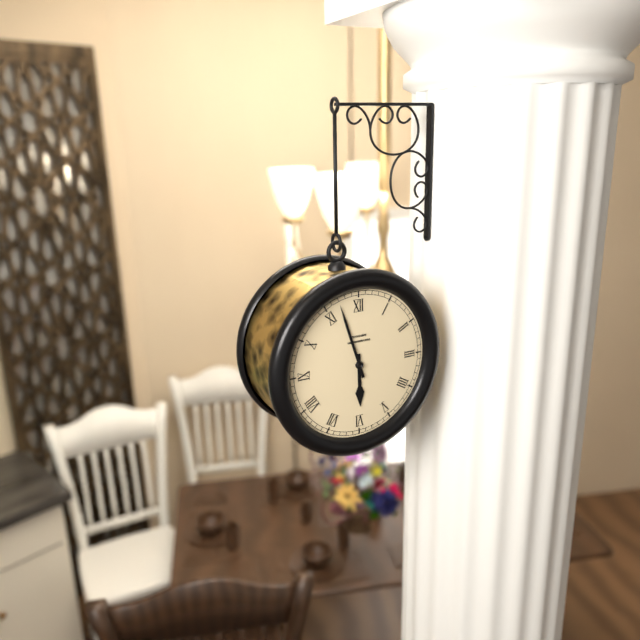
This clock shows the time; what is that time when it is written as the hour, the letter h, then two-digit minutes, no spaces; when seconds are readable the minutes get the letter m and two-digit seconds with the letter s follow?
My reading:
5h57
